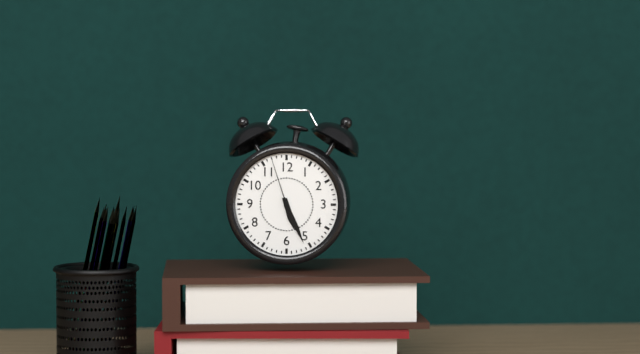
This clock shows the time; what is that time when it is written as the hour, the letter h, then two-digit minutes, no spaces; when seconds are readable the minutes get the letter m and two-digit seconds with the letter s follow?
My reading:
5h26m57s
